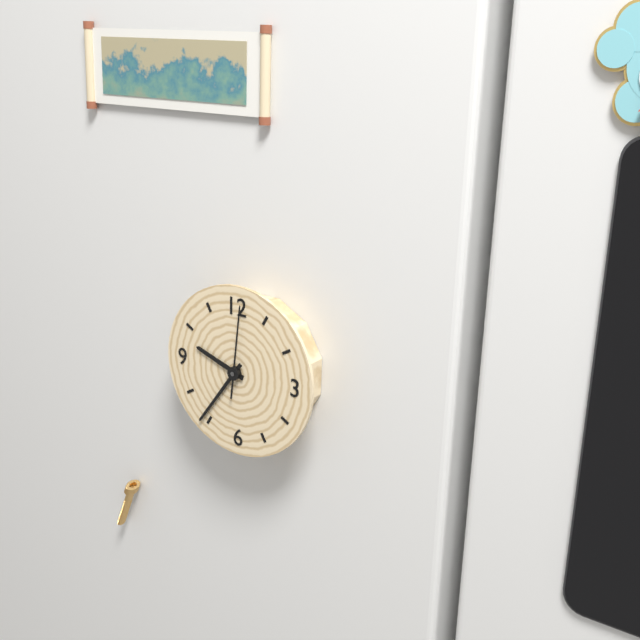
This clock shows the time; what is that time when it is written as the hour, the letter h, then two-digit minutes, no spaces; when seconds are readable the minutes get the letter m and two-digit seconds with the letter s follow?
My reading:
9h36m01s
